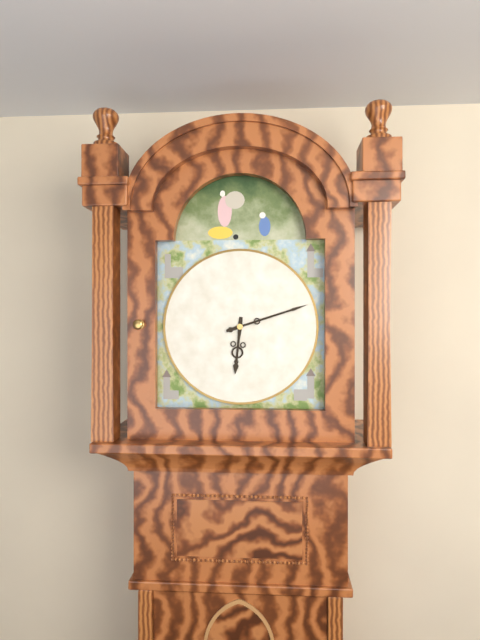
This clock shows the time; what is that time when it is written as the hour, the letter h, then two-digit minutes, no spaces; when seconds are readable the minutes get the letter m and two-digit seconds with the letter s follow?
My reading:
6h12
